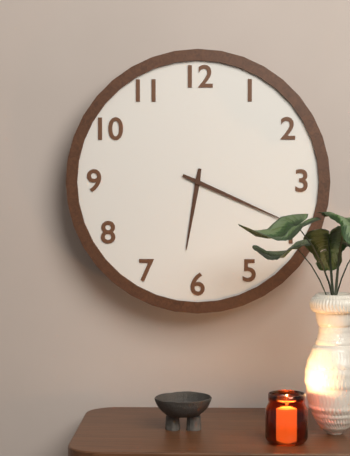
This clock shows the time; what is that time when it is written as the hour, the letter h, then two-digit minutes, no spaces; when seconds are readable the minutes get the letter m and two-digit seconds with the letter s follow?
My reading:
6h19
